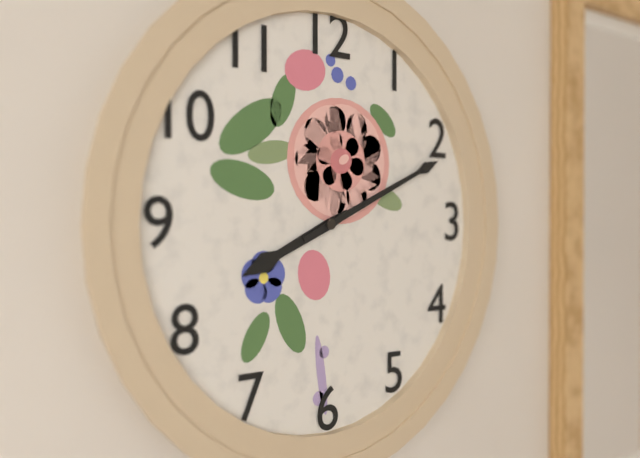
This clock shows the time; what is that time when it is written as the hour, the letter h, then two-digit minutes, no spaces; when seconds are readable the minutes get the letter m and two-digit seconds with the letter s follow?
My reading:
8h11
